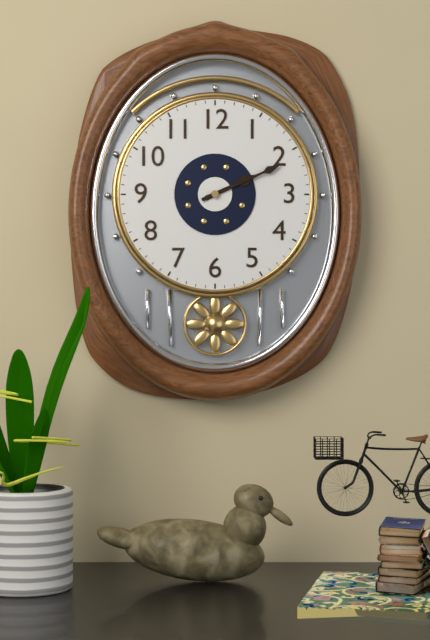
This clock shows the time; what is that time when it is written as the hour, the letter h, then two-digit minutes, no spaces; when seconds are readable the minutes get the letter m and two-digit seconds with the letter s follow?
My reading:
2h11
